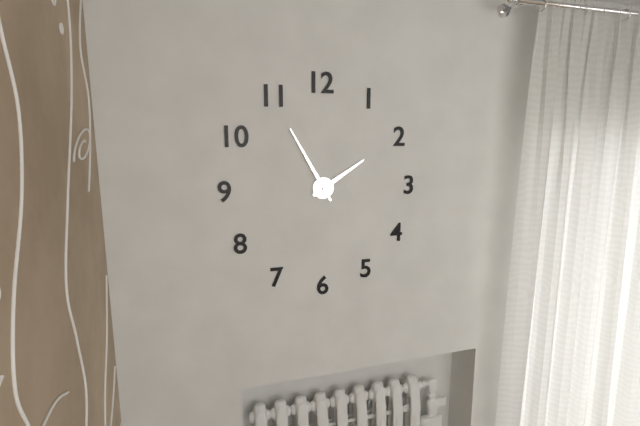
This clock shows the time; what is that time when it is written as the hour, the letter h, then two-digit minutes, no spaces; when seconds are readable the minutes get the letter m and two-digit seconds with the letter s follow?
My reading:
1h55
